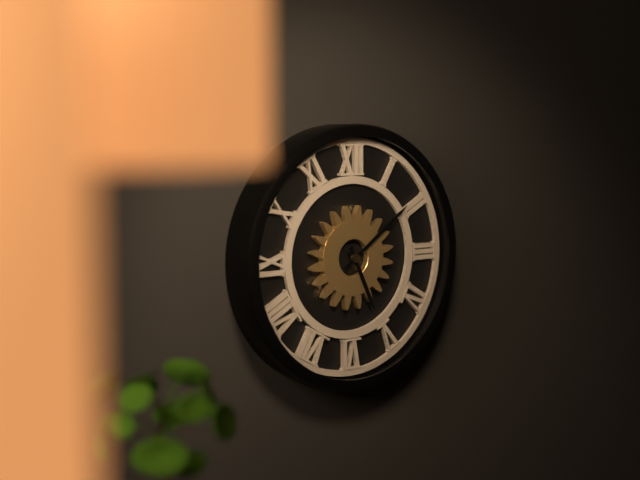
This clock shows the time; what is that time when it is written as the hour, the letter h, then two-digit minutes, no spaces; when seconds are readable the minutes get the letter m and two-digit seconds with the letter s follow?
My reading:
5h09
